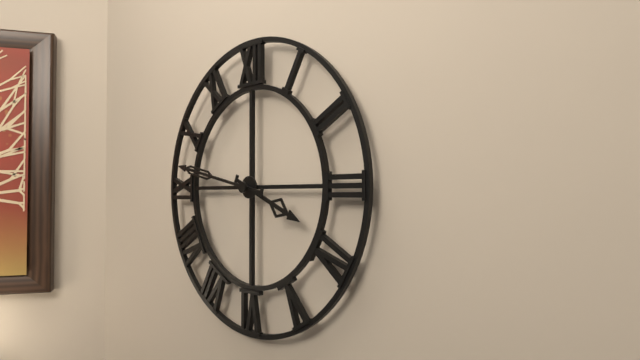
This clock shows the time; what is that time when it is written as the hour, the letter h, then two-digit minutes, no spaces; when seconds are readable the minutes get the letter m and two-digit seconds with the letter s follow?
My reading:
3h47
